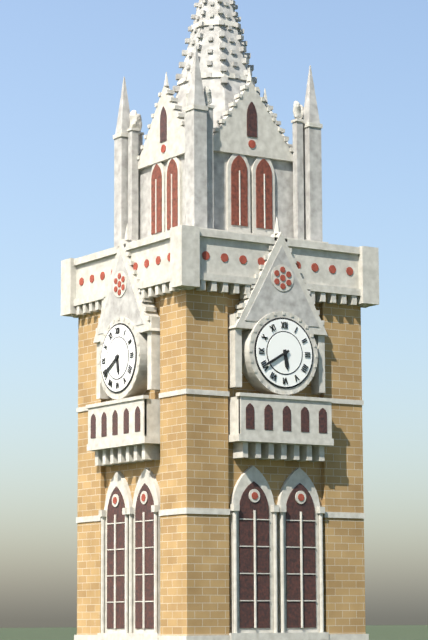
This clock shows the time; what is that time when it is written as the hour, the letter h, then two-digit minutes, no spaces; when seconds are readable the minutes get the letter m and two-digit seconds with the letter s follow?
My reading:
5h40
